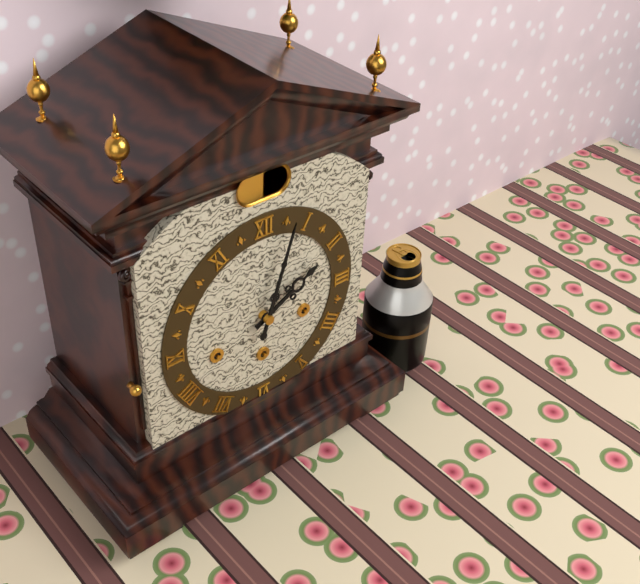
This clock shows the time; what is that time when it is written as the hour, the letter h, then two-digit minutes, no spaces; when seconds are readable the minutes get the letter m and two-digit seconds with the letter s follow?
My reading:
2h03
